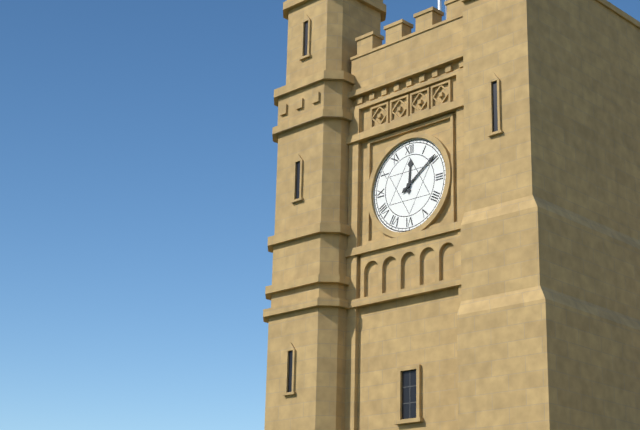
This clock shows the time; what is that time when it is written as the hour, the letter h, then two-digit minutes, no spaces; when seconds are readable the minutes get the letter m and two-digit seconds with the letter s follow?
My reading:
12h09
